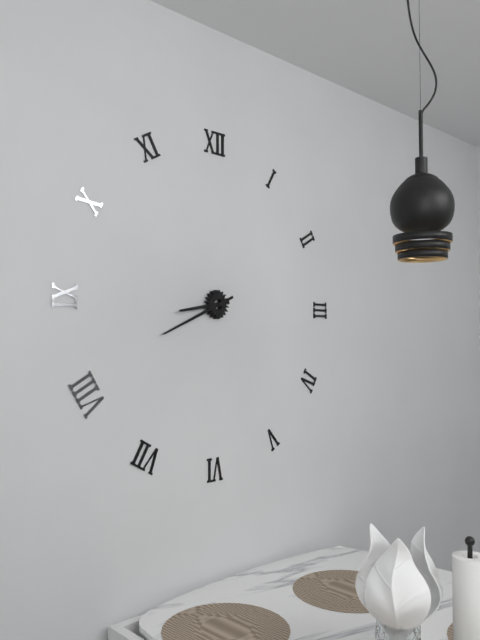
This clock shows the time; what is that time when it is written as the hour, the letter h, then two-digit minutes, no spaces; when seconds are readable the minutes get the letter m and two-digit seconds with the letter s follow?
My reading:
8h41
